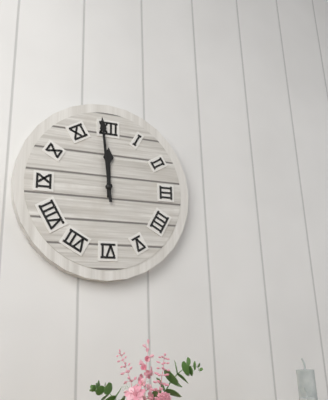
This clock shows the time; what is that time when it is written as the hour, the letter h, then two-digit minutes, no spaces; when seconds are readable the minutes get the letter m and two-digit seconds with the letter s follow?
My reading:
11h59
